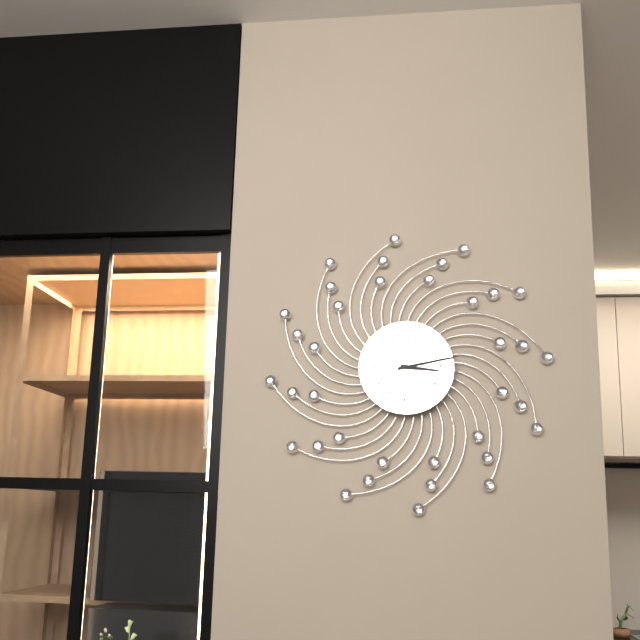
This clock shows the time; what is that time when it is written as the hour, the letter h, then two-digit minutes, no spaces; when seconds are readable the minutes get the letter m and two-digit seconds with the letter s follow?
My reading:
3h13
